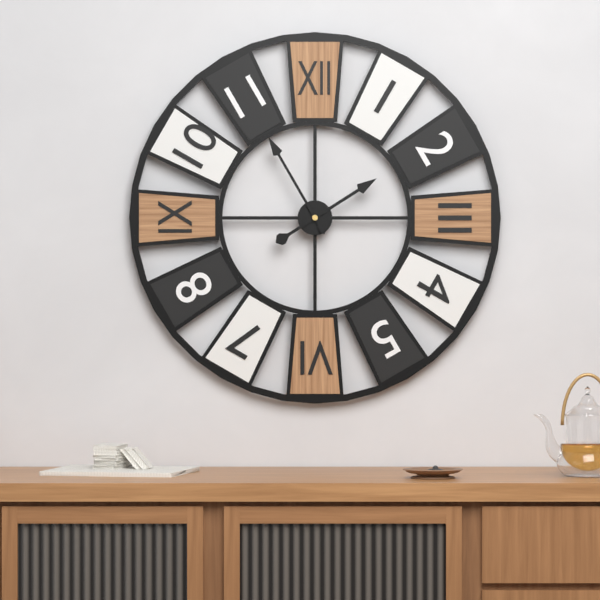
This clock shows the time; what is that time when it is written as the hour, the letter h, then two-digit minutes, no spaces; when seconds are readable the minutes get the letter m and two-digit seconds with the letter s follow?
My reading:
1h55
